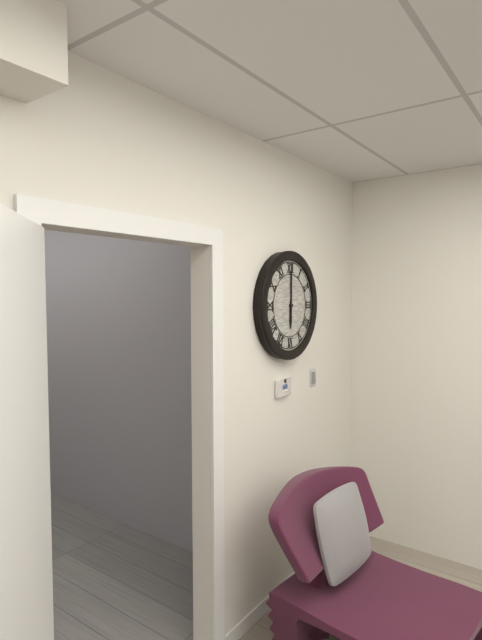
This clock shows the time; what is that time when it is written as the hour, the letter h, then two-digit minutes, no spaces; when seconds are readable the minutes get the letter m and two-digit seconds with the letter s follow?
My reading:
6h00
